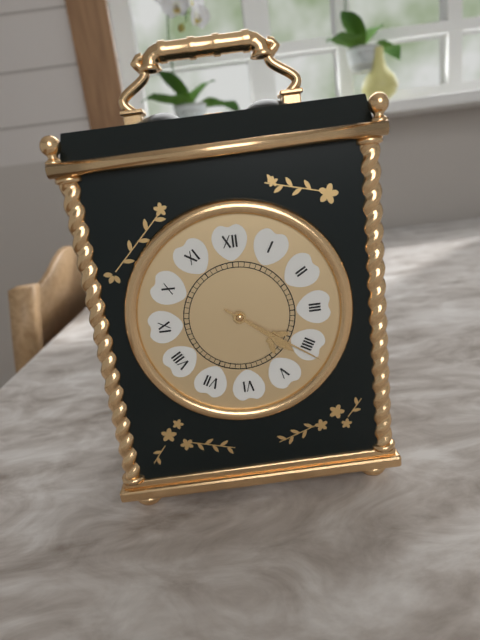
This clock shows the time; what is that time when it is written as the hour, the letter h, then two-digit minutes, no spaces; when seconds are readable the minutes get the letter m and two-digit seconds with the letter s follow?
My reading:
4h21
